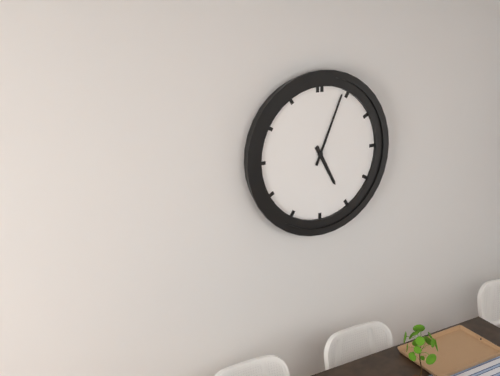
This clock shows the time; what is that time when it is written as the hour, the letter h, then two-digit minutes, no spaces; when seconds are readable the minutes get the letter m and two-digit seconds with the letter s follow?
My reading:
5h04
